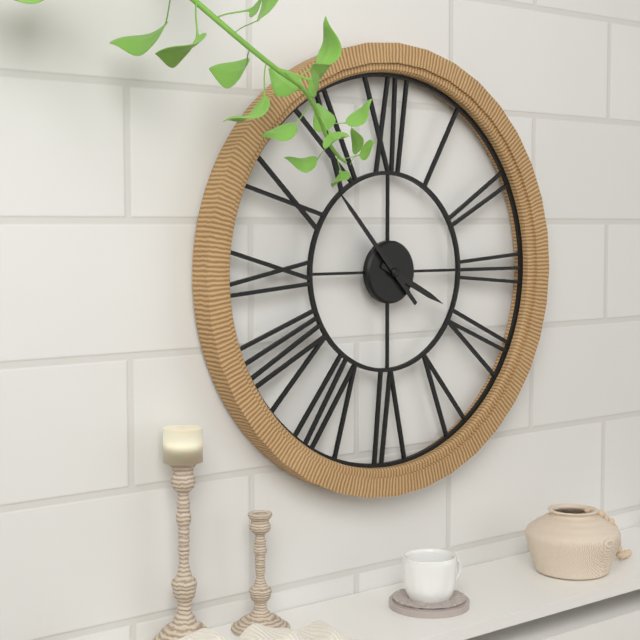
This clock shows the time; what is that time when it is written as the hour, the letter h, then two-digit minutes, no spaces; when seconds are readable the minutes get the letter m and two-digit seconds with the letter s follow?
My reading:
3h53
